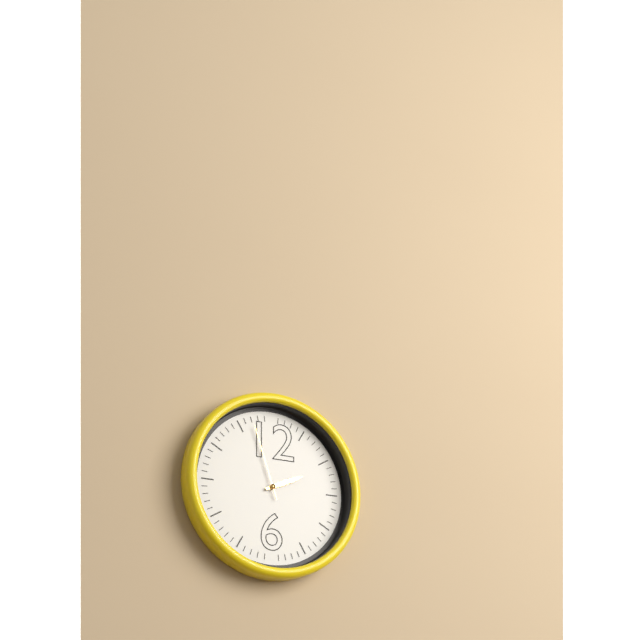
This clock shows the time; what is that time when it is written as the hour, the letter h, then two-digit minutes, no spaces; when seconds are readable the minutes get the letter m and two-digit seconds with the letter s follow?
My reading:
2h11m57s
